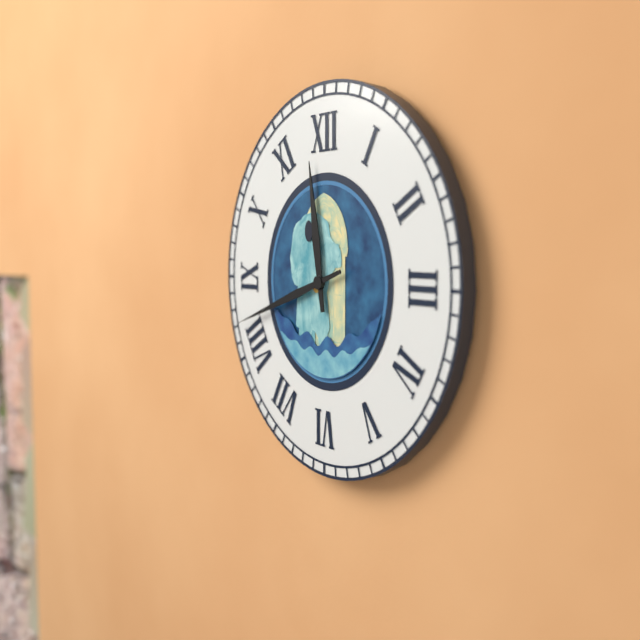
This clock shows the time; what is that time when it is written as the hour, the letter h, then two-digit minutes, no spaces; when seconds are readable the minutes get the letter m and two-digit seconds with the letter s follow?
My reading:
11h42
